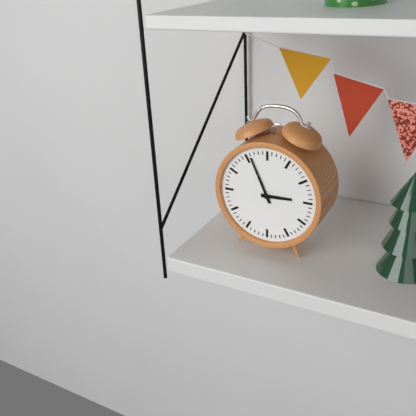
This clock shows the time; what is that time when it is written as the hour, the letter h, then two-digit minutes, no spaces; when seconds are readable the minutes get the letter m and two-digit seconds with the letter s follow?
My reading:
2h56
